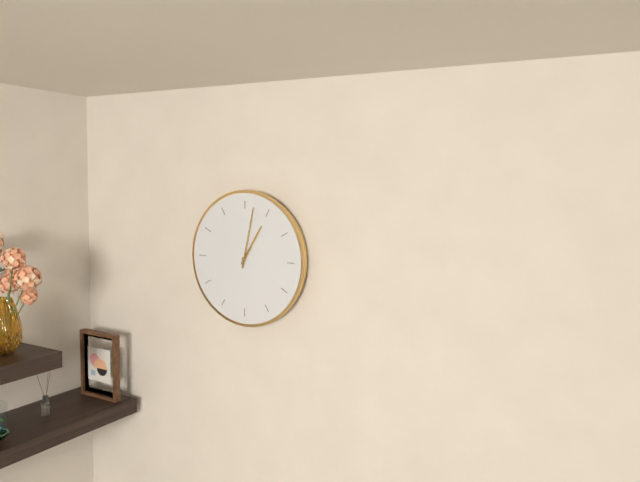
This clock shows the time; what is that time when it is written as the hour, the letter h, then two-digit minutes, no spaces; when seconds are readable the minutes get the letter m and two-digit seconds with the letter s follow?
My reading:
1h02
